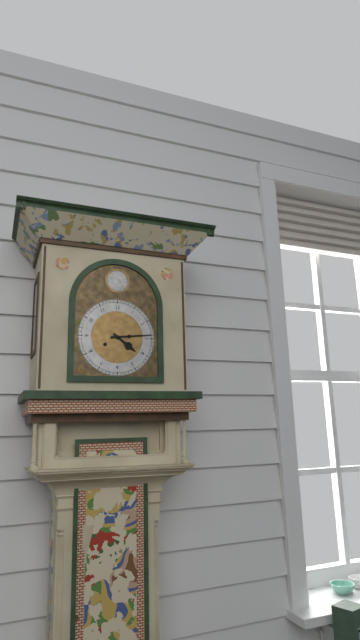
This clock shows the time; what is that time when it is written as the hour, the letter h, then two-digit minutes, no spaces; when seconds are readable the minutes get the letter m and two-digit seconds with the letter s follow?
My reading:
4h14
